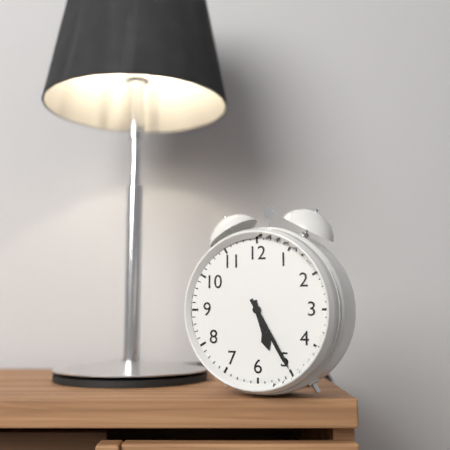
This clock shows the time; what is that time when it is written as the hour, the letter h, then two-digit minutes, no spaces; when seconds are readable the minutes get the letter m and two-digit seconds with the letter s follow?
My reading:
5h25
